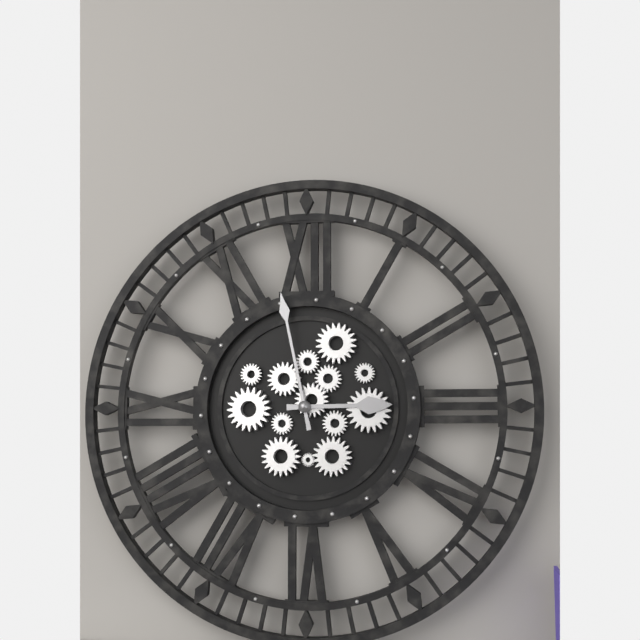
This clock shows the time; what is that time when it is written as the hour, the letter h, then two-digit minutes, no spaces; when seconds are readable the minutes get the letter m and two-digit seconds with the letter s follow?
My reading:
2h58
